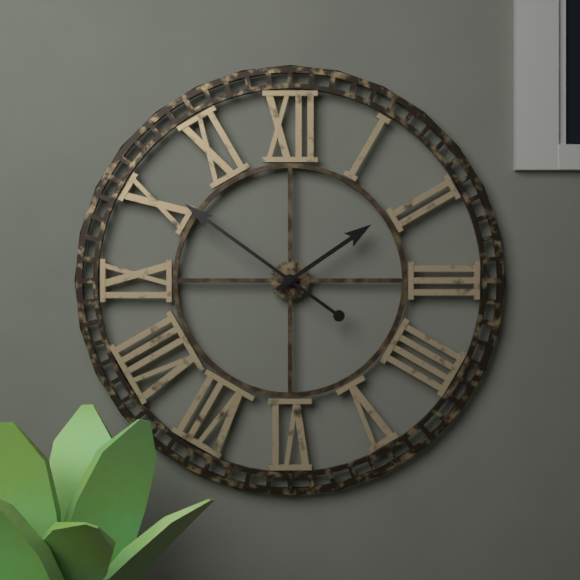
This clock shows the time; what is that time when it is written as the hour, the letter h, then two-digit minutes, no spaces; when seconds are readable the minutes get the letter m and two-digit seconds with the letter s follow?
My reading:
1h51
